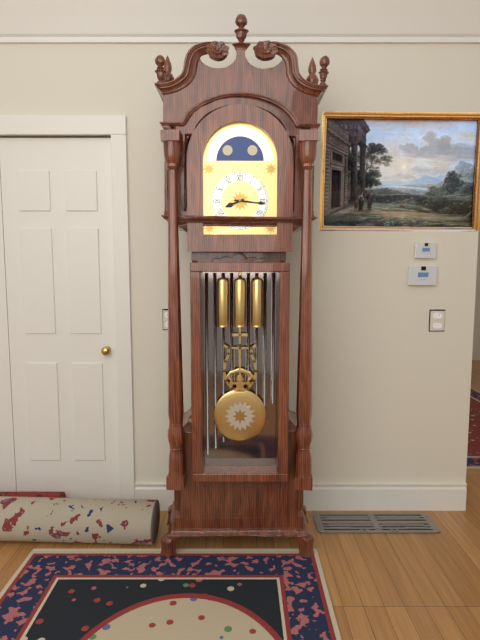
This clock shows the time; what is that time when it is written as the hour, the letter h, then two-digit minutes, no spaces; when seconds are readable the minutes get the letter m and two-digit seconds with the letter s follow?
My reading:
8h16
